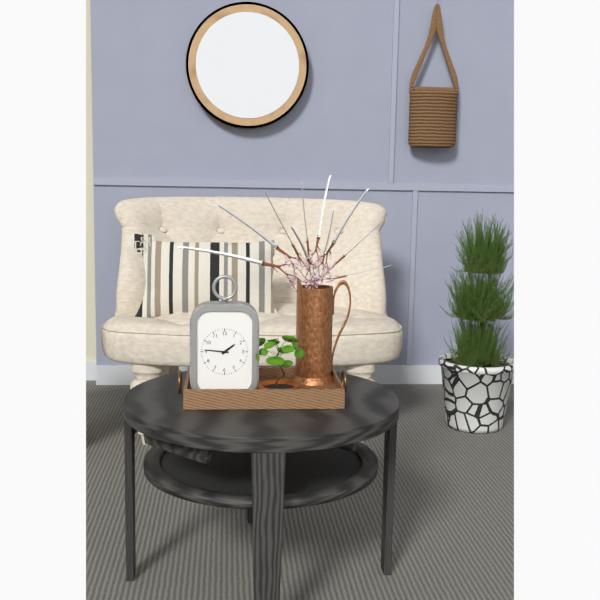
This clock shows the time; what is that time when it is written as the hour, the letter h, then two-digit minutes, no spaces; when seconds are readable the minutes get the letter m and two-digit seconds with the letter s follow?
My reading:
1h46
